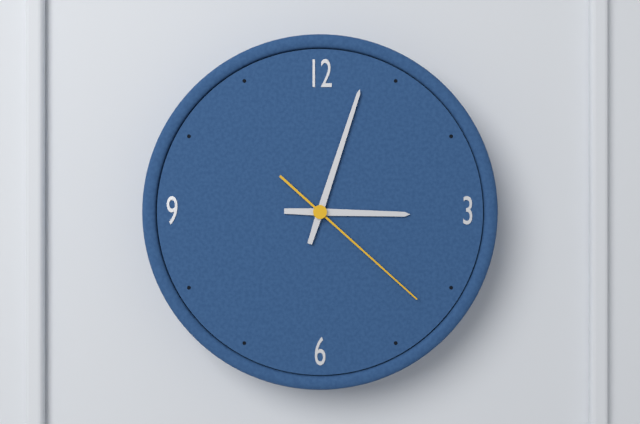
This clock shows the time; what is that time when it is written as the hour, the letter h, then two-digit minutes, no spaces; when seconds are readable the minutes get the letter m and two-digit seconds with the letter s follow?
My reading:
3h03m22s
